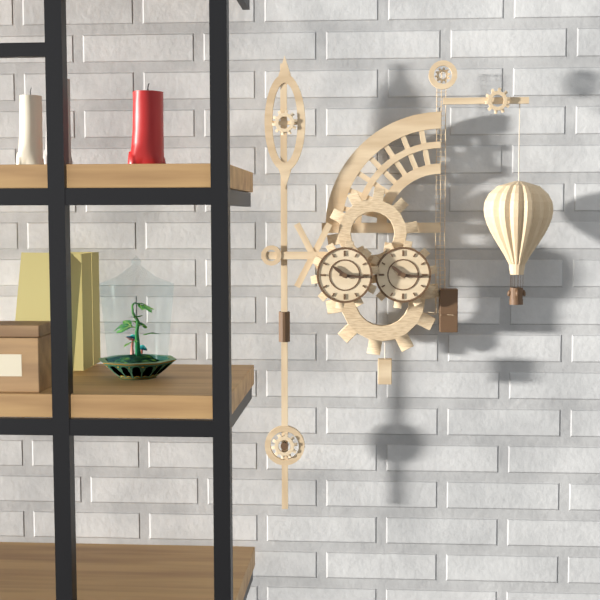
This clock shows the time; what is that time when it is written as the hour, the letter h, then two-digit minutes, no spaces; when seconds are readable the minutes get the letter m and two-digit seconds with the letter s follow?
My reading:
10h16
